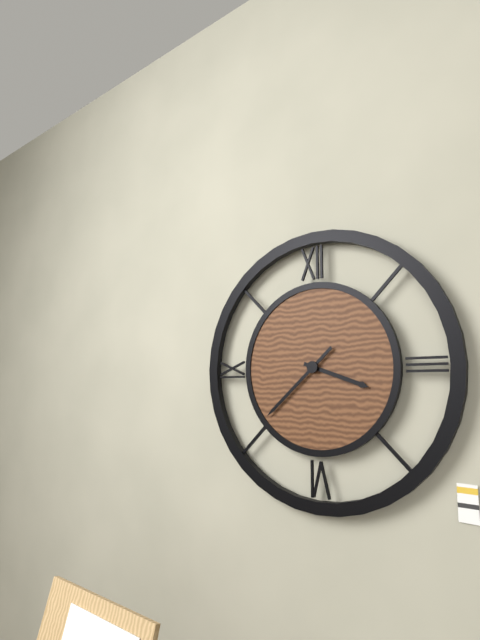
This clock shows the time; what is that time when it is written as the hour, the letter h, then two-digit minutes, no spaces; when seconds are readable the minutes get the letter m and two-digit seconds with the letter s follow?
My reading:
3h38
